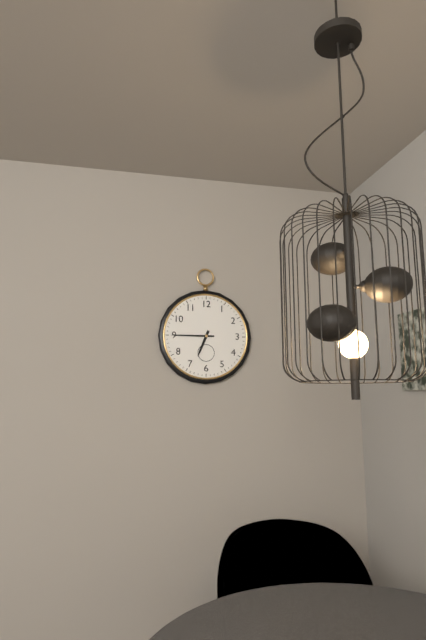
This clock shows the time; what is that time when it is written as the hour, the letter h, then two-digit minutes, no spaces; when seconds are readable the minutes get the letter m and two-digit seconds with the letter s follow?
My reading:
6h45
